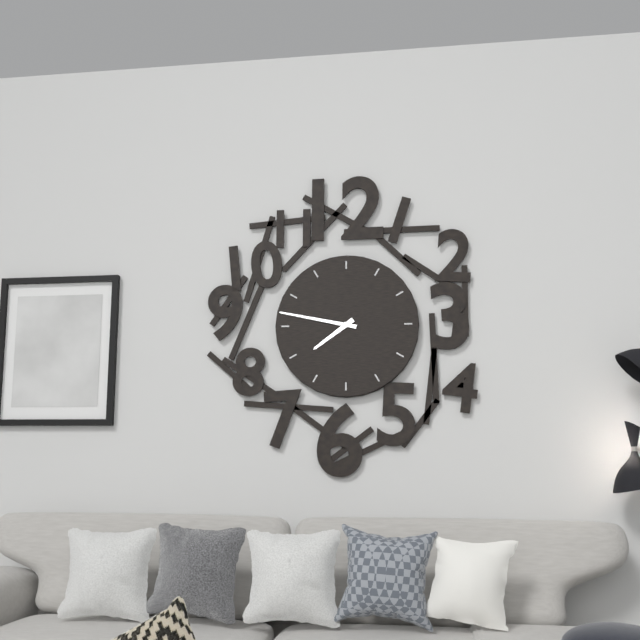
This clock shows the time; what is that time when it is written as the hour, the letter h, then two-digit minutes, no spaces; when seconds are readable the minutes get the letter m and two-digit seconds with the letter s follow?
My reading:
7h47
